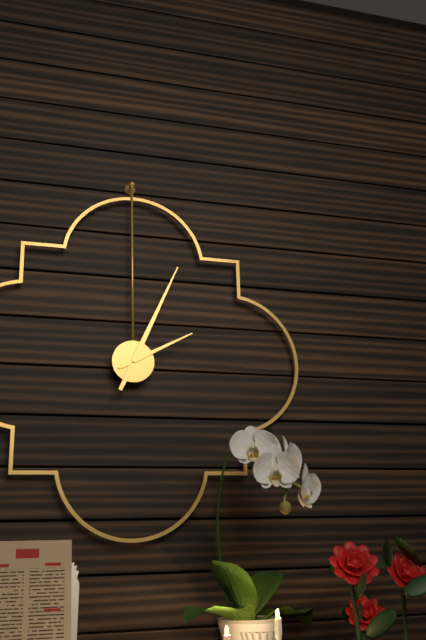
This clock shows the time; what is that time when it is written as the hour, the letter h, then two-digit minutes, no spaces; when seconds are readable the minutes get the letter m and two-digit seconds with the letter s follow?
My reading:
2h04
